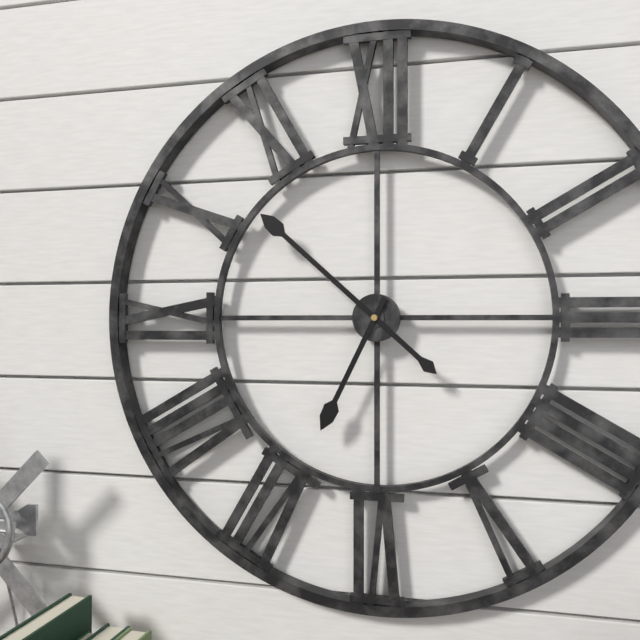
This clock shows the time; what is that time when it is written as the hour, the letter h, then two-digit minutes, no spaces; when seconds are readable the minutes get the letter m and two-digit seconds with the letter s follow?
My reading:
6h52
